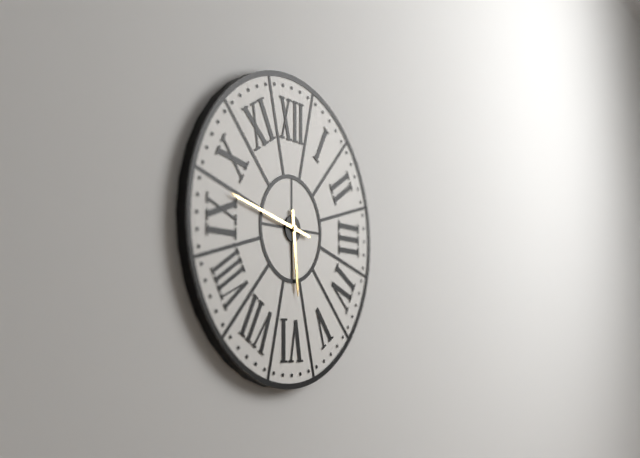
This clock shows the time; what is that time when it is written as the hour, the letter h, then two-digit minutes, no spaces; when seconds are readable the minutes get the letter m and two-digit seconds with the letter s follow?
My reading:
5h47
